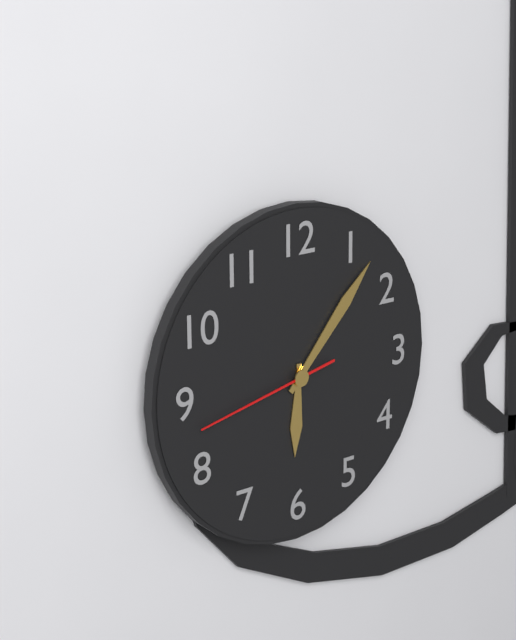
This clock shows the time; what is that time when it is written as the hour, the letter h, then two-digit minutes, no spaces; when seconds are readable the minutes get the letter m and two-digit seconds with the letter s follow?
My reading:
6h07m43s
